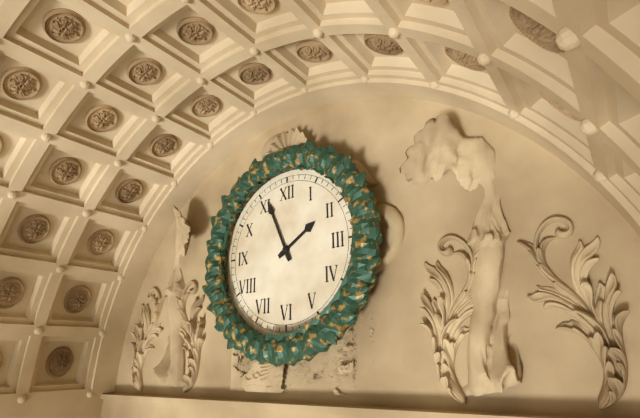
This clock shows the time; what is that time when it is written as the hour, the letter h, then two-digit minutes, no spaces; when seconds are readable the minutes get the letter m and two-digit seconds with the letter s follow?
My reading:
1h56
